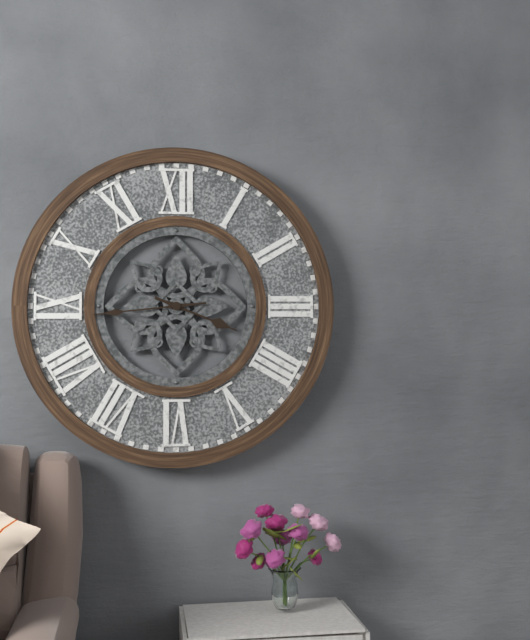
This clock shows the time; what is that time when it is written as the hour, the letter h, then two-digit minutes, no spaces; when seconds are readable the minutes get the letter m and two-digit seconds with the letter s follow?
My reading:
3h44
